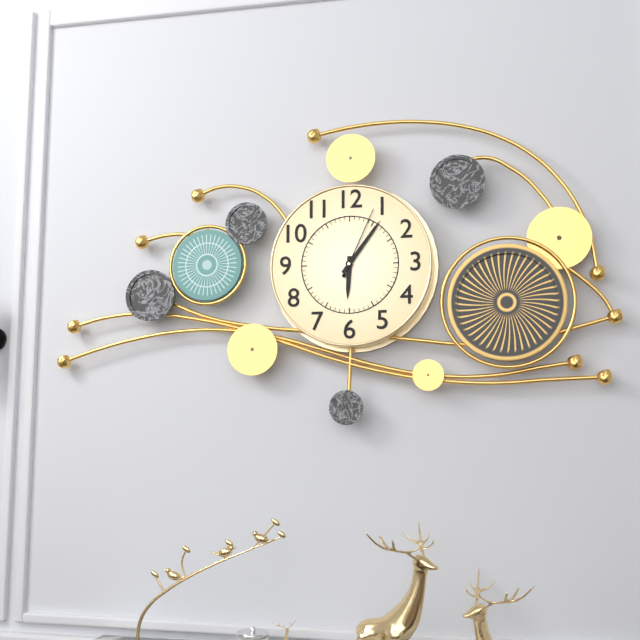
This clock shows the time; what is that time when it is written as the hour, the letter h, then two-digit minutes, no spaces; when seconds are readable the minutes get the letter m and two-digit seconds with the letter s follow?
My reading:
6h06m04s
